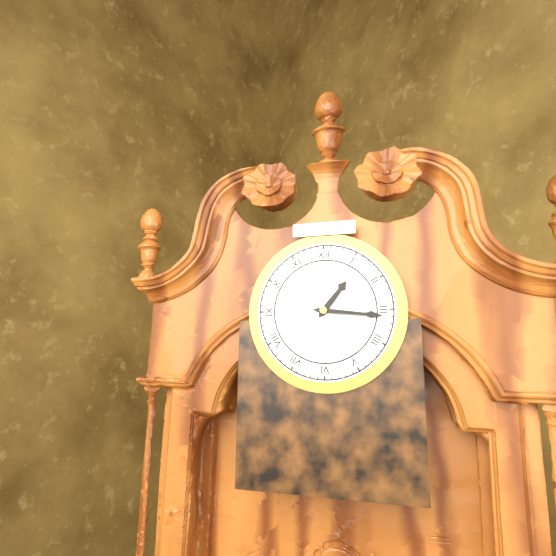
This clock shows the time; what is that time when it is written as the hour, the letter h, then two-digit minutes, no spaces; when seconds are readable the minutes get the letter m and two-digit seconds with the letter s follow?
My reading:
1h16
